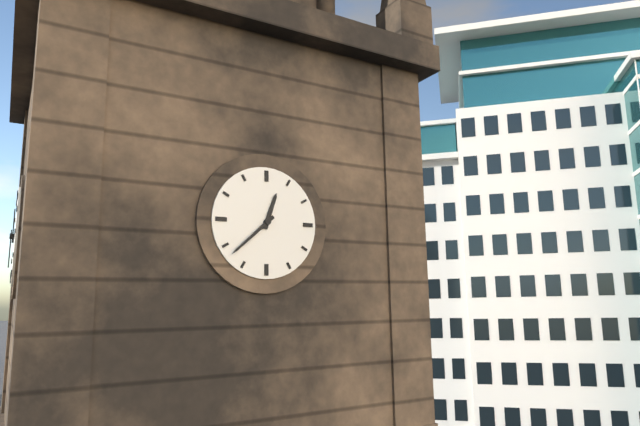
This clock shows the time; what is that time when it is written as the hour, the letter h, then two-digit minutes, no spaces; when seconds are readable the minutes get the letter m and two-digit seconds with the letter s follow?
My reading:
12h38
